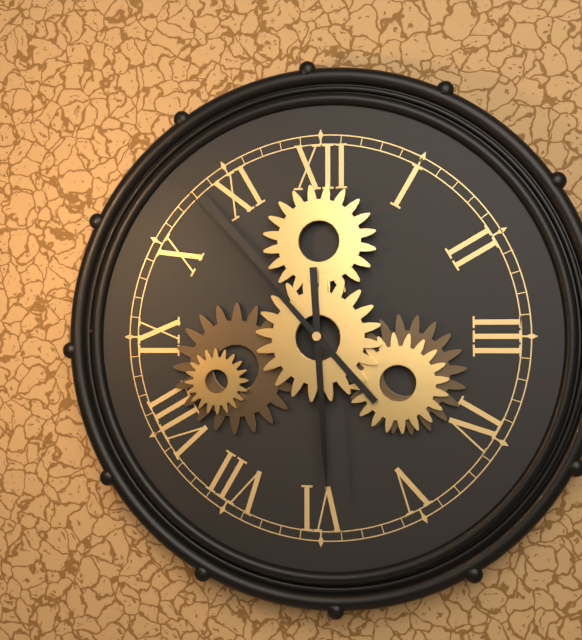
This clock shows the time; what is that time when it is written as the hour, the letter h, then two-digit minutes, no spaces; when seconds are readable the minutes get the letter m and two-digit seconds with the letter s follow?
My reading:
5h53
